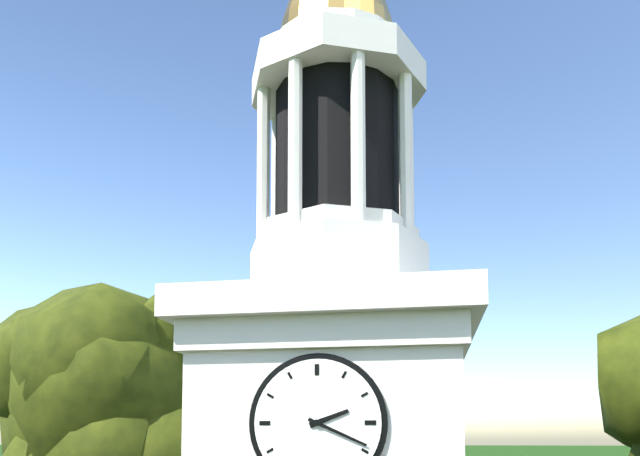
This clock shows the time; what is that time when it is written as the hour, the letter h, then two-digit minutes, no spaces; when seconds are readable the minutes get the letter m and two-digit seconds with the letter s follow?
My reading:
2h19
